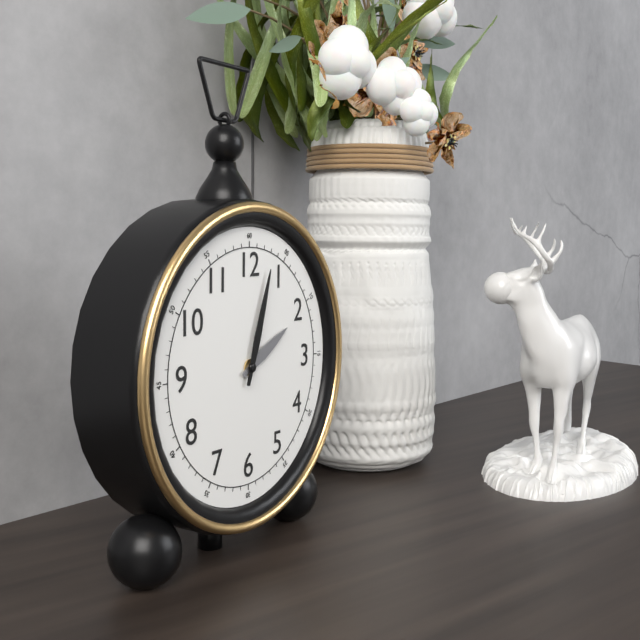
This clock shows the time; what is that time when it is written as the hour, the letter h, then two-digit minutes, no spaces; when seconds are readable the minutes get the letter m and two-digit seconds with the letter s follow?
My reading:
2h03
